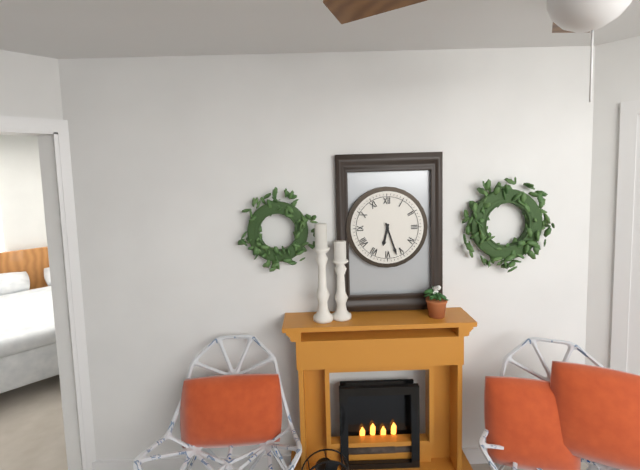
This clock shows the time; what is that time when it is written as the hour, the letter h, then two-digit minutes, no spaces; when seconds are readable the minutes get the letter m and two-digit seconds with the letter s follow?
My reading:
6h27
